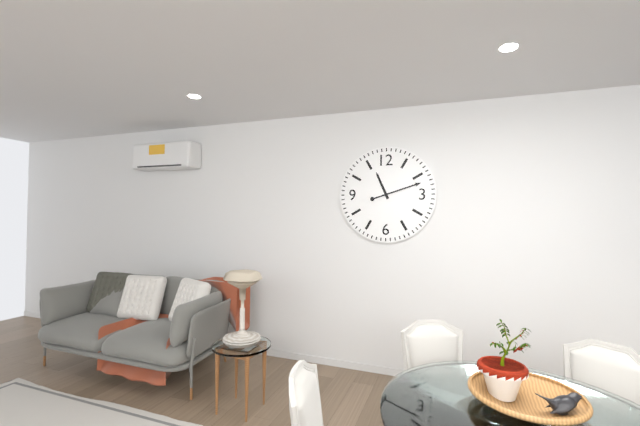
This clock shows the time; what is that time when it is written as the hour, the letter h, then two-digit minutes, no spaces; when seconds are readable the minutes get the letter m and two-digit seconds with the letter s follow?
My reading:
11h12
